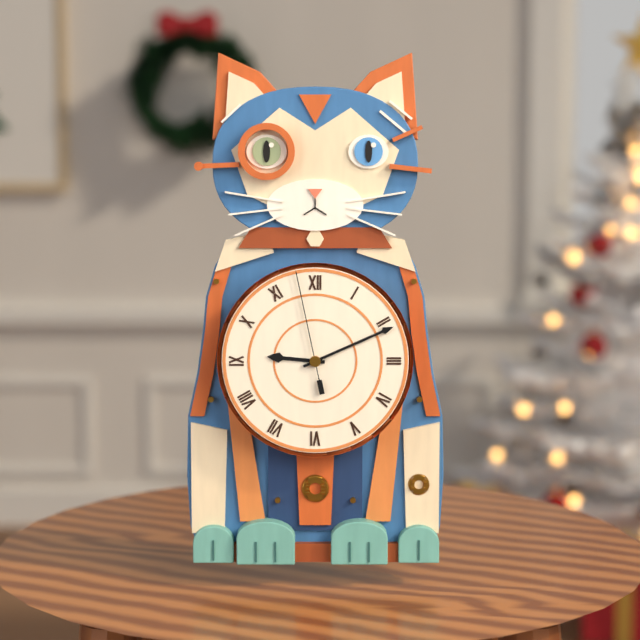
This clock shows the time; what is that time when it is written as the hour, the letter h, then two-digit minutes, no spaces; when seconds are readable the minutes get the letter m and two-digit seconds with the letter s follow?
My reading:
9h11m58s
